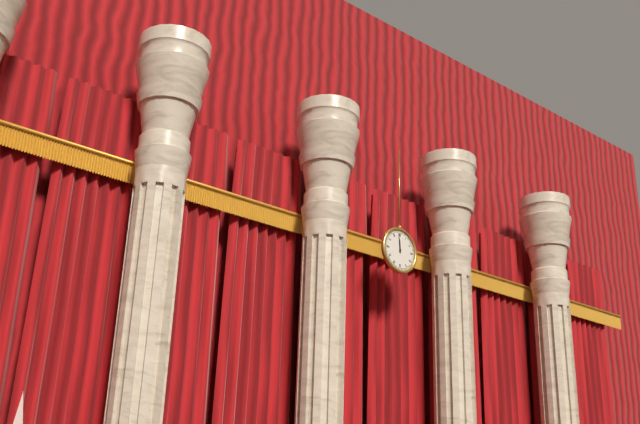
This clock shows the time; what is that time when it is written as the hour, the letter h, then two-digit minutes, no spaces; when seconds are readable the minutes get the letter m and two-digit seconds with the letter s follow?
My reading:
11h59
